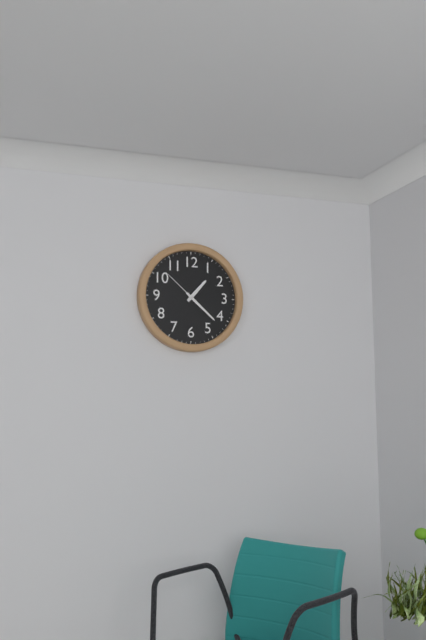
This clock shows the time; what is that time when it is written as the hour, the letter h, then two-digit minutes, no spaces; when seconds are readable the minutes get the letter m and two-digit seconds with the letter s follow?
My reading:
1h22
